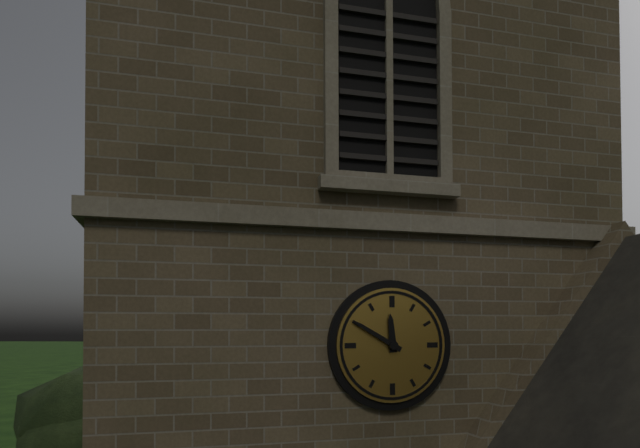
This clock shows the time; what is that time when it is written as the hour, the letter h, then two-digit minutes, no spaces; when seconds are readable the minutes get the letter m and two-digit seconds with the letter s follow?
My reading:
11h50
